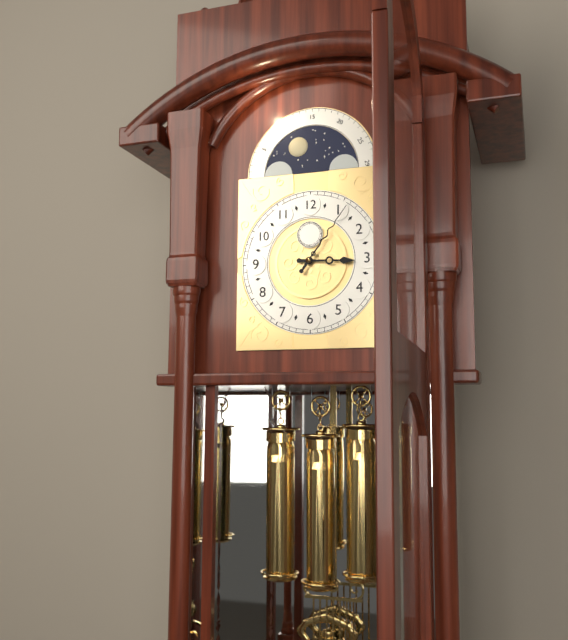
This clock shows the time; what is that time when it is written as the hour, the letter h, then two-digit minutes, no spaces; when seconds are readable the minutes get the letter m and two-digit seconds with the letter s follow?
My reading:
3h06
